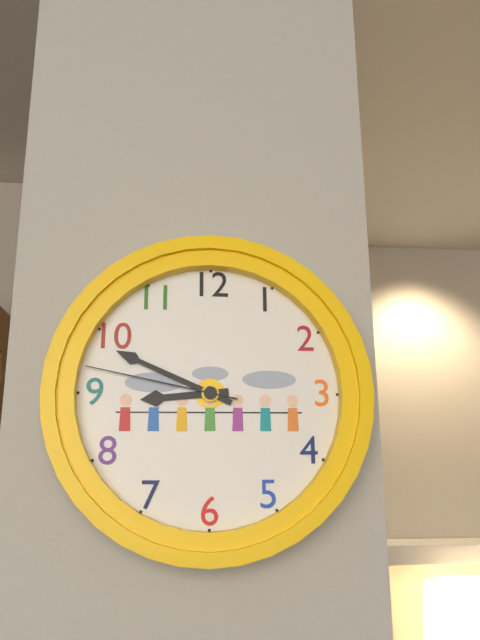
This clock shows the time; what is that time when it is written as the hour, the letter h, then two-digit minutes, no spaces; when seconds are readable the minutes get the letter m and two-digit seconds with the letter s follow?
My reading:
8h49m47s
